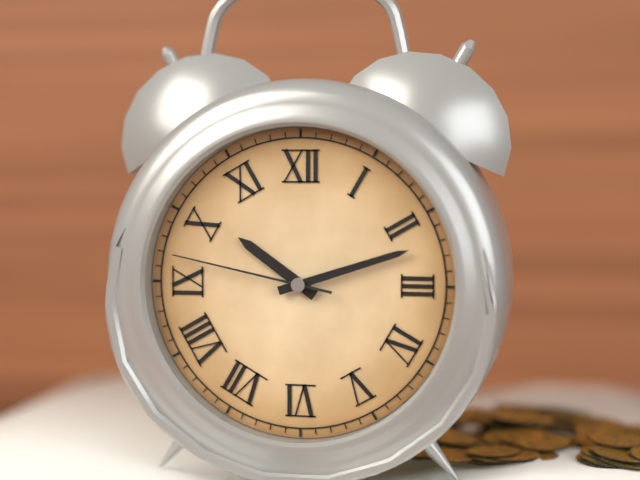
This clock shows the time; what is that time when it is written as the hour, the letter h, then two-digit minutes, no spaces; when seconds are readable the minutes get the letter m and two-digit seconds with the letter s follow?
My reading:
10h12m47s
